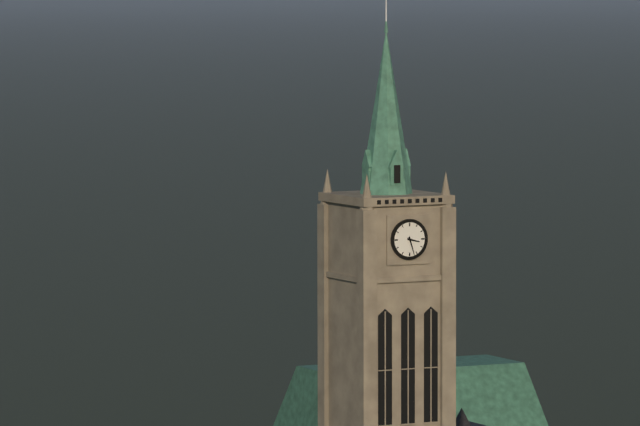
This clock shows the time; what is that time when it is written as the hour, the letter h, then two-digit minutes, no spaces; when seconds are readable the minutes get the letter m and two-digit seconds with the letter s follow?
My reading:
3h27
